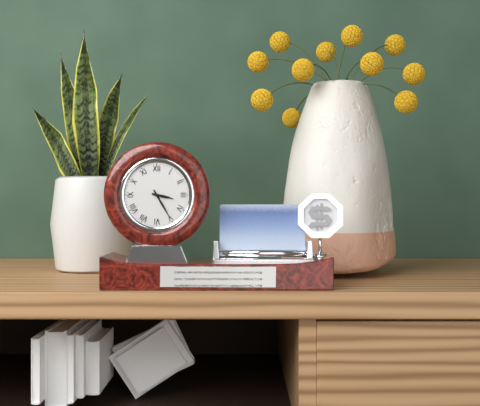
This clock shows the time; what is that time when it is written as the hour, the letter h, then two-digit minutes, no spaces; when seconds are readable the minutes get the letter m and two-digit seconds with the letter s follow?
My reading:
3h25
